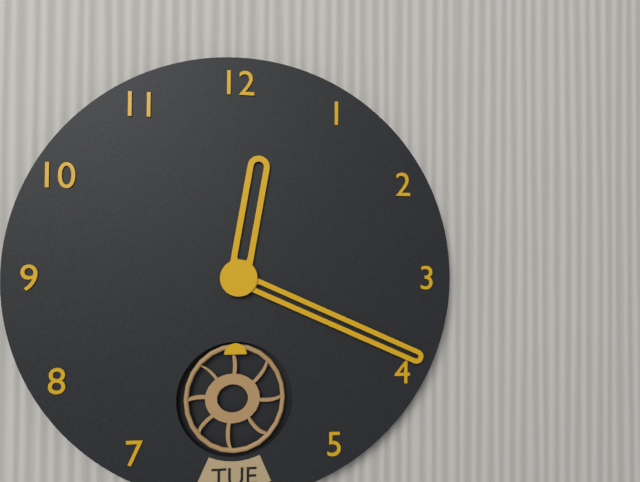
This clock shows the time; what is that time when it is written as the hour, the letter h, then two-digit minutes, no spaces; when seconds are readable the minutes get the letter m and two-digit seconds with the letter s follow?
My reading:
12h19
